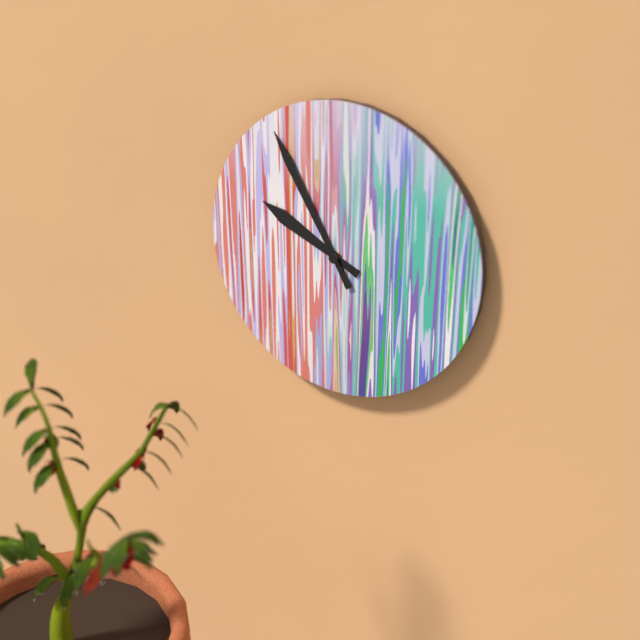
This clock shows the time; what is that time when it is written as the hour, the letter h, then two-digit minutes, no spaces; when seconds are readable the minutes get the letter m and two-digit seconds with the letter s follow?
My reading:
9h55
